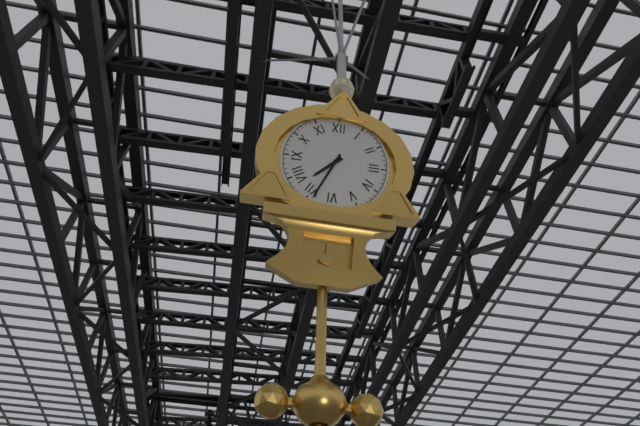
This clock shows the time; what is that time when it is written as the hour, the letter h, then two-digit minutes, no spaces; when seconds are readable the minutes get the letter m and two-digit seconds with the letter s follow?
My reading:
7h34
